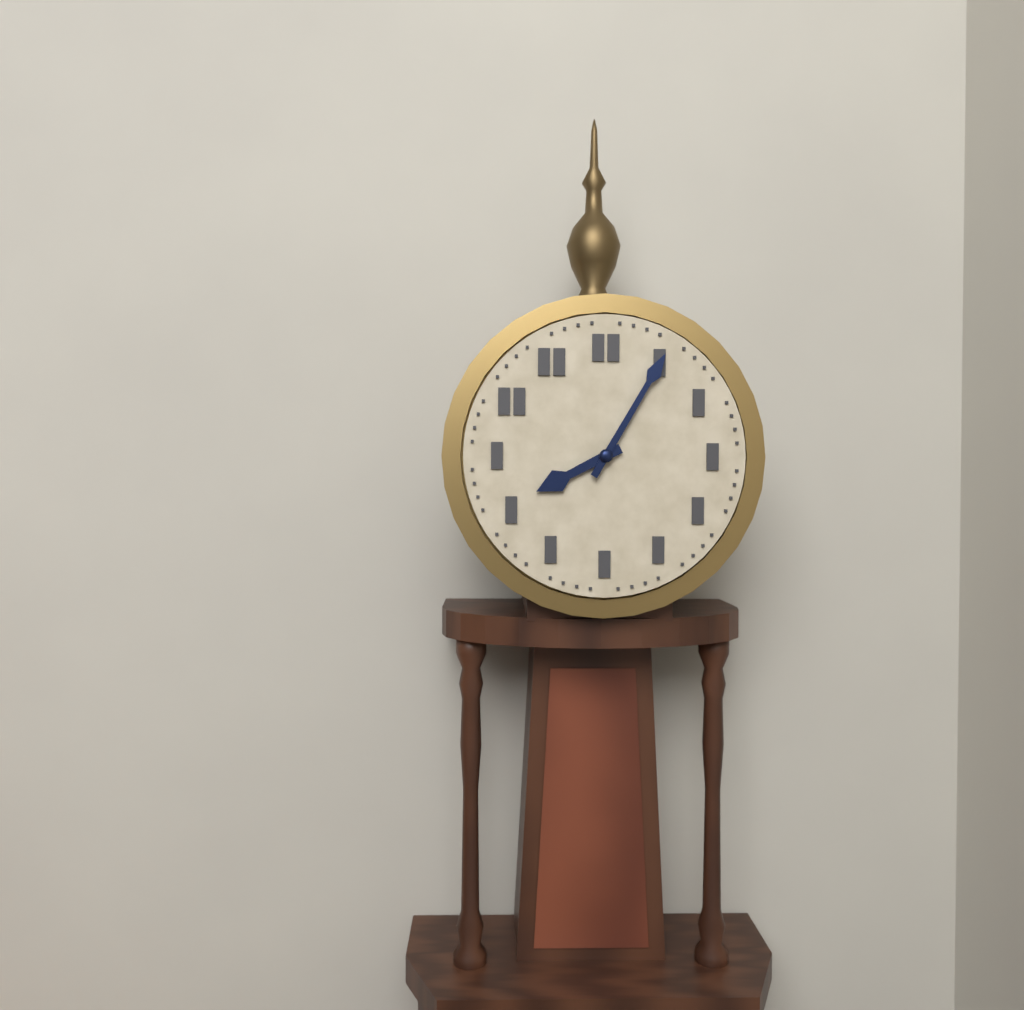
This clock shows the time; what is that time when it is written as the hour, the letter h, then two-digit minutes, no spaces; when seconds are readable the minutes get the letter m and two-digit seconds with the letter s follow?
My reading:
8h05
